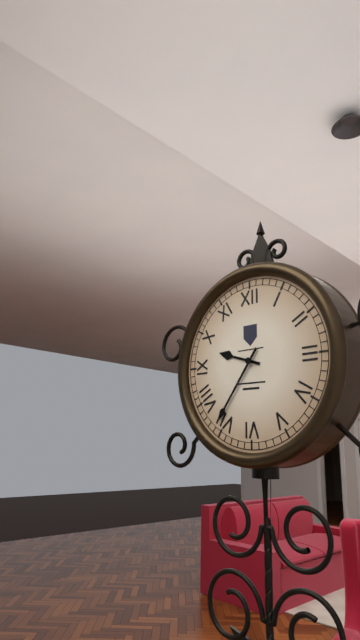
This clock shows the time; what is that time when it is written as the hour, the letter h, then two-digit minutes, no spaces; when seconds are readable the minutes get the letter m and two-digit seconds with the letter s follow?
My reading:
9h36
